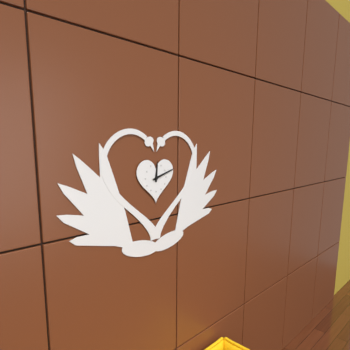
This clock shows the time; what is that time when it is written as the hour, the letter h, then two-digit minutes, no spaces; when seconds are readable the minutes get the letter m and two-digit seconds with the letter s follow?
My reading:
12h12
